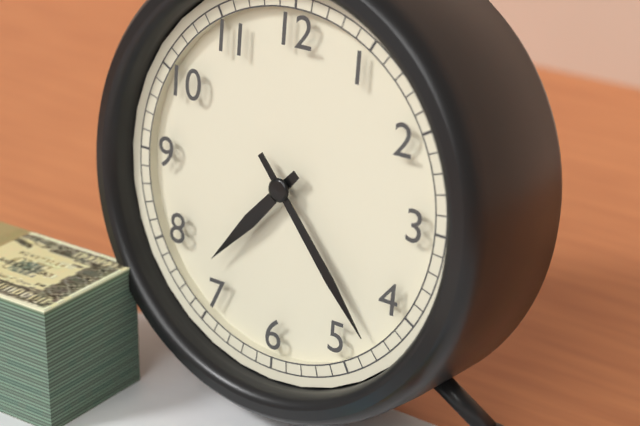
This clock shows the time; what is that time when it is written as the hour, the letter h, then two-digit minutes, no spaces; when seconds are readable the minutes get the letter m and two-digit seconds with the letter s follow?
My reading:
7h23
